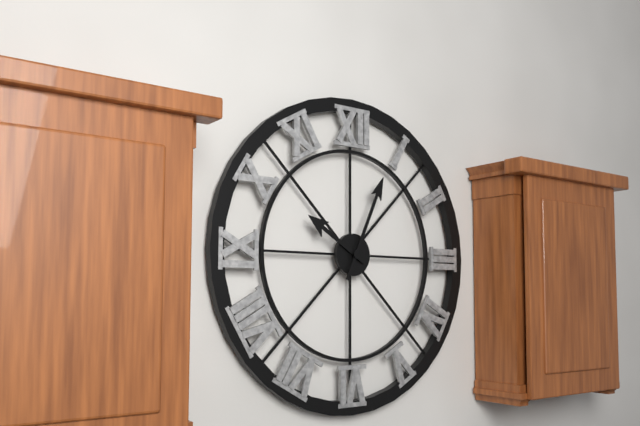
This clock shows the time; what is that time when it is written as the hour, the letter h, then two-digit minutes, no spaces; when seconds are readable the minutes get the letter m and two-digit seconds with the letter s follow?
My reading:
10h04
